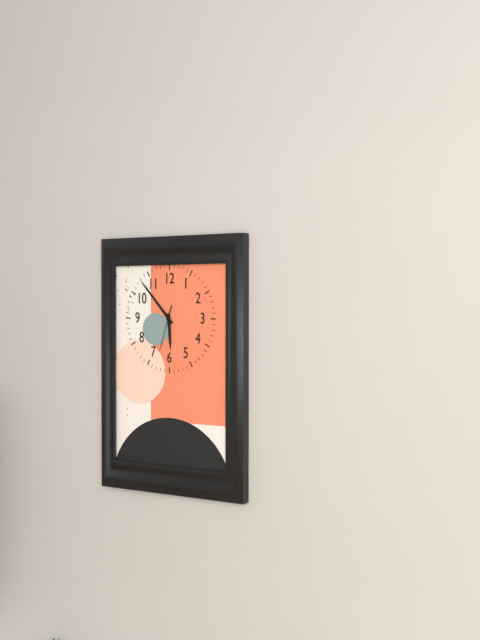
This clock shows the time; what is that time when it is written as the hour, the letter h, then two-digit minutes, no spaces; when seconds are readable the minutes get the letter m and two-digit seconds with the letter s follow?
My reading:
5h53
